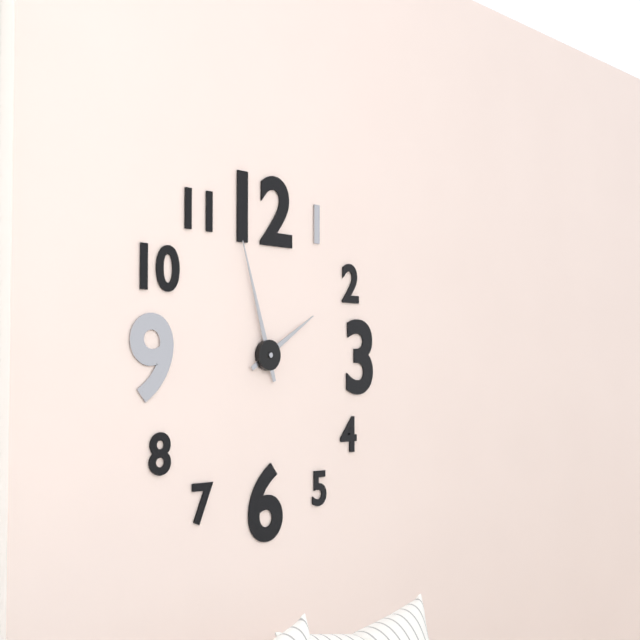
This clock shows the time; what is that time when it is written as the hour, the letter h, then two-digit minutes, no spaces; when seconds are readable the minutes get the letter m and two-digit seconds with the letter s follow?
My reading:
1h57
